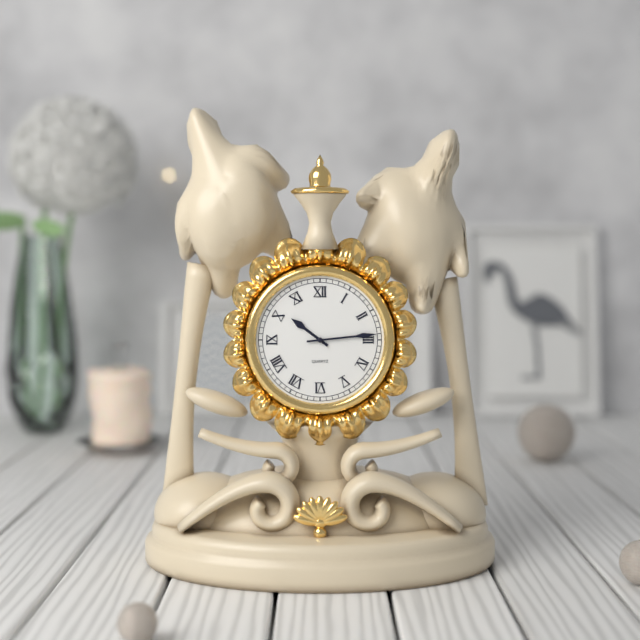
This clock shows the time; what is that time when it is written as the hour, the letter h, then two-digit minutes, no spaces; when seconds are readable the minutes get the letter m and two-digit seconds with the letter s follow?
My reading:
10h14
